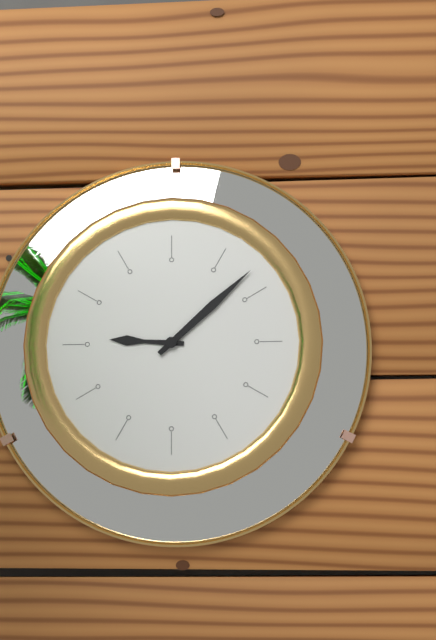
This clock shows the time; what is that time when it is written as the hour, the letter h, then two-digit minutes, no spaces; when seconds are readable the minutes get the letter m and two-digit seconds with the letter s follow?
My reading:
9h08
